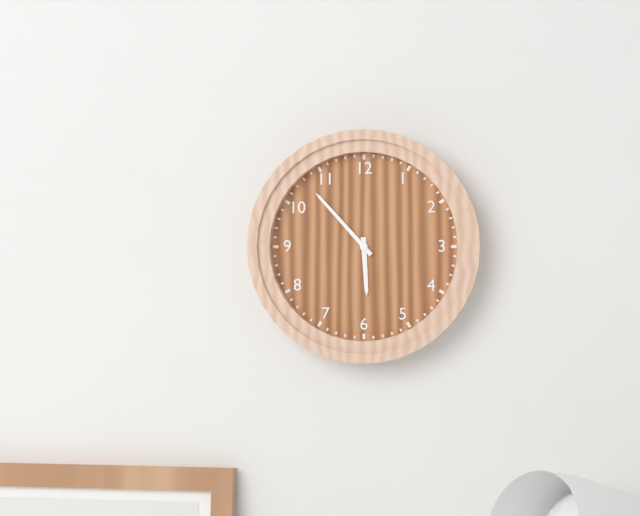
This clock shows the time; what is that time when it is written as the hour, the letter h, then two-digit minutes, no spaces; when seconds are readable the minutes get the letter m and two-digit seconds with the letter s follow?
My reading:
5h53
